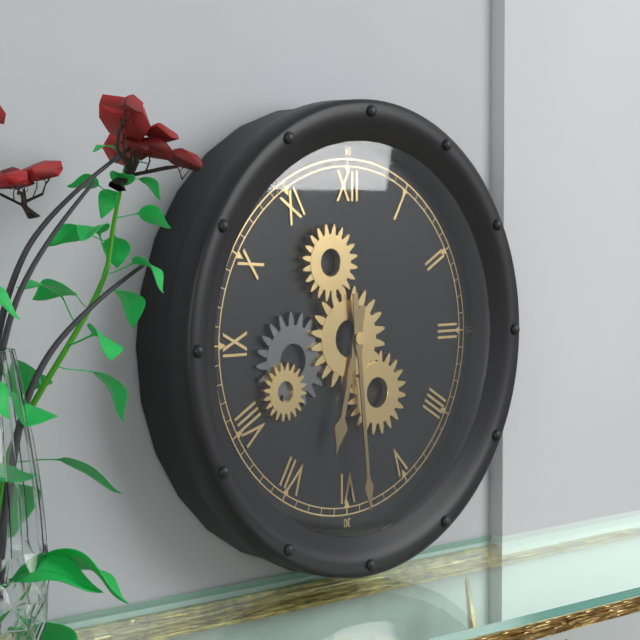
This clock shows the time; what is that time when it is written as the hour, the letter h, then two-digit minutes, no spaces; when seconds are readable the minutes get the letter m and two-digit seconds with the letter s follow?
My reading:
6h29
